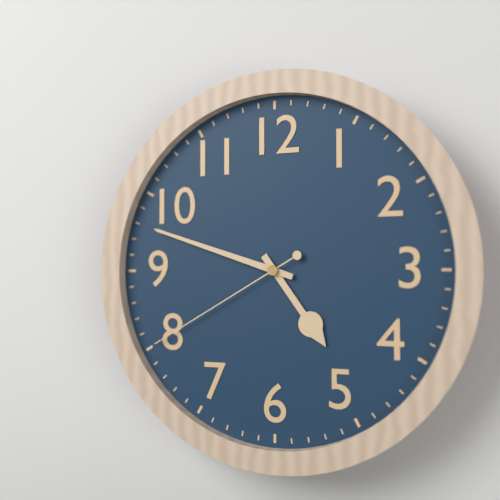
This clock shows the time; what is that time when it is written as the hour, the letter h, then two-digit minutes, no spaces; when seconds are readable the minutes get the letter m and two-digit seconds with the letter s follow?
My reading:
4h48m40s
